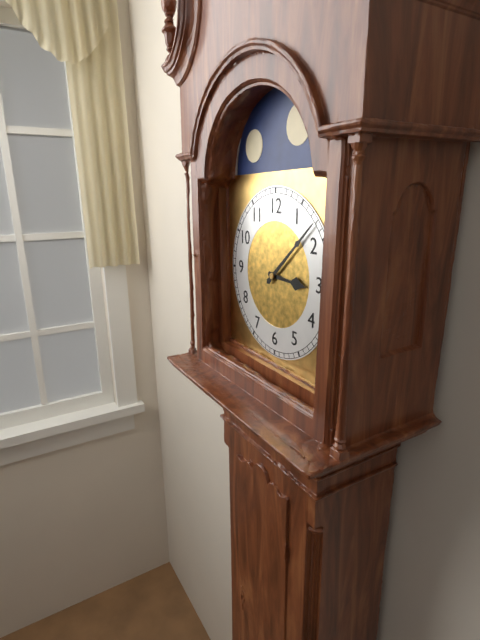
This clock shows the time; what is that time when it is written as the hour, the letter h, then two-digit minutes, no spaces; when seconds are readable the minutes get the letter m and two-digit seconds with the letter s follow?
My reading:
3h08
